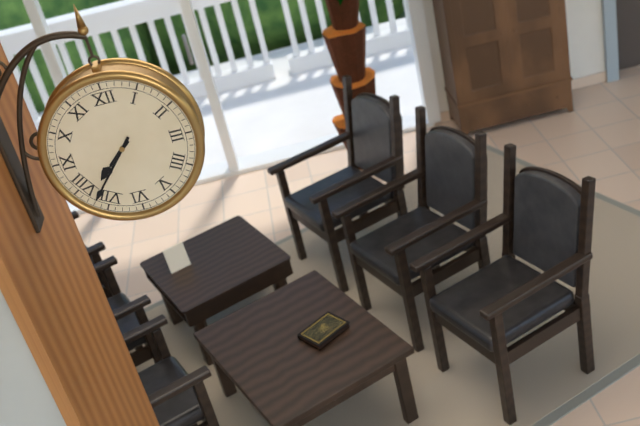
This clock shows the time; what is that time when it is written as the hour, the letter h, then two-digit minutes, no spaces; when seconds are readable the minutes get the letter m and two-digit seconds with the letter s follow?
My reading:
7h37
